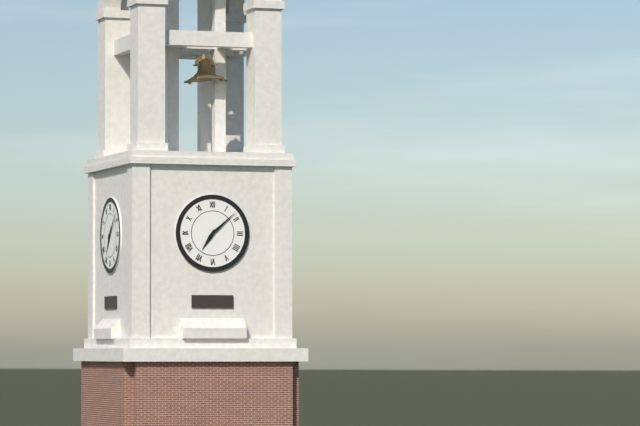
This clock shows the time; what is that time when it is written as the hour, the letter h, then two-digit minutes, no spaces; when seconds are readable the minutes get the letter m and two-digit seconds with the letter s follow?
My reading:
7h08
